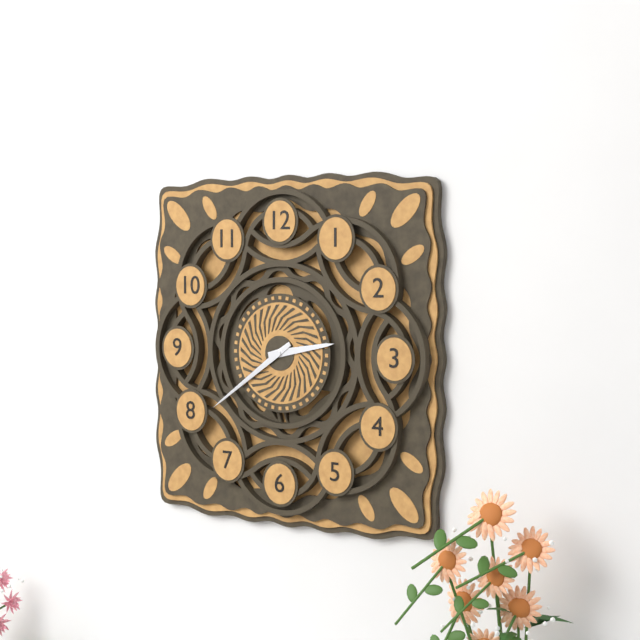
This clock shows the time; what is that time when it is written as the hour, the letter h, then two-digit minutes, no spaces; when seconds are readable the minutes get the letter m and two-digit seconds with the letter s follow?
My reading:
2h39
